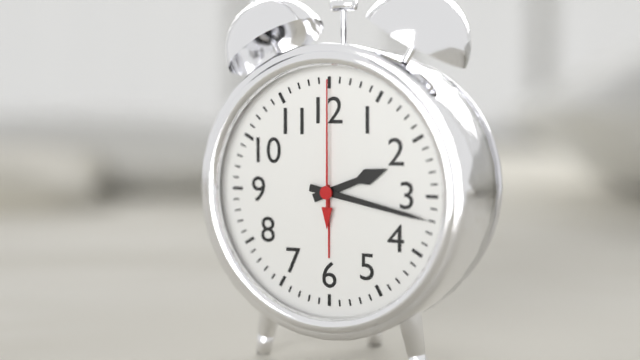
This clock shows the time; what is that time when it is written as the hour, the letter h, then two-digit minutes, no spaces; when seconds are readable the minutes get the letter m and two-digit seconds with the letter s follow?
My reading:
2h17m00s
